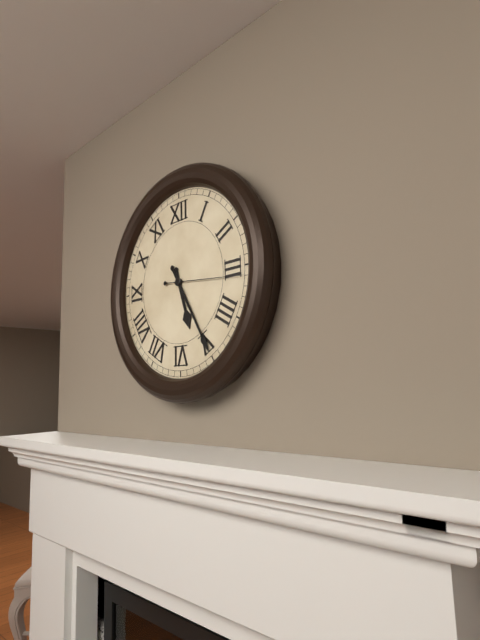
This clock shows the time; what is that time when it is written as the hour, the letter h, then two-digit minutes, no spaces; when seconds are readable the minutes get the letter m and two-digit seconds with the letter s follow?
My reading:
5h25m16s
